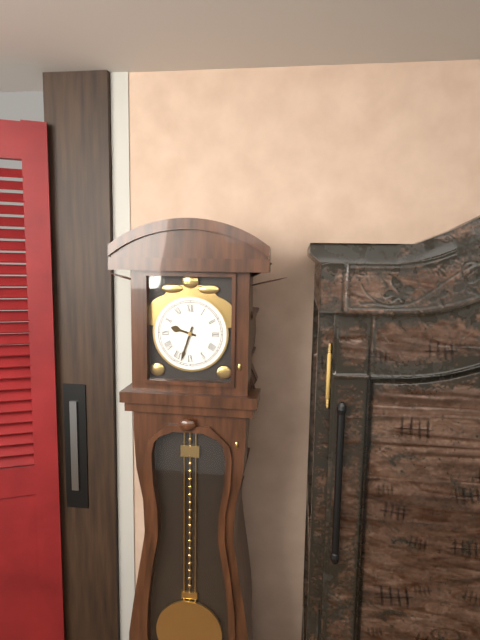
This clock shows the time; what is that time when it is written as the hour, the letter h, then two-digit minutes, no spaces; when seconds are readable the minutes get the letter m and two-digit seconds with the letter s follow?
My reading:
9h33
